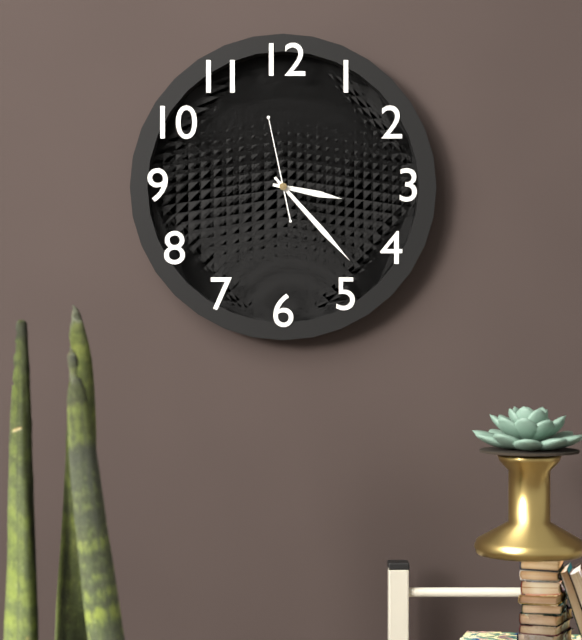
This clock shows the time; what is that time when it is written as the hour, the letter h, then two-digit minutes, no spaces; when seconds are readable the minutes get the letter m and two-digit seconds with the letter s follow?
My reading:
3h23m58s
